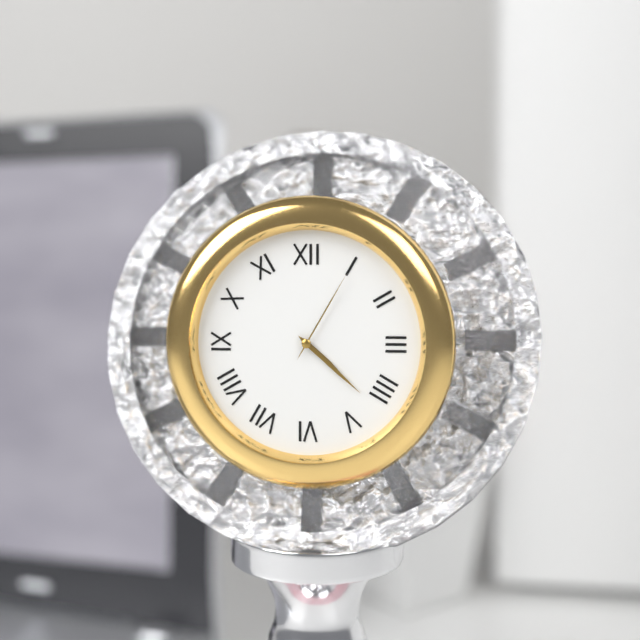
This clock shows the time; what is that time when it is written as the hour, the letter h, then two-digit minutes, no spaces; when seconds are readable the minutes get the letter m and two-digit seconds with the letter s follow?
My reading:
4h22m05s
